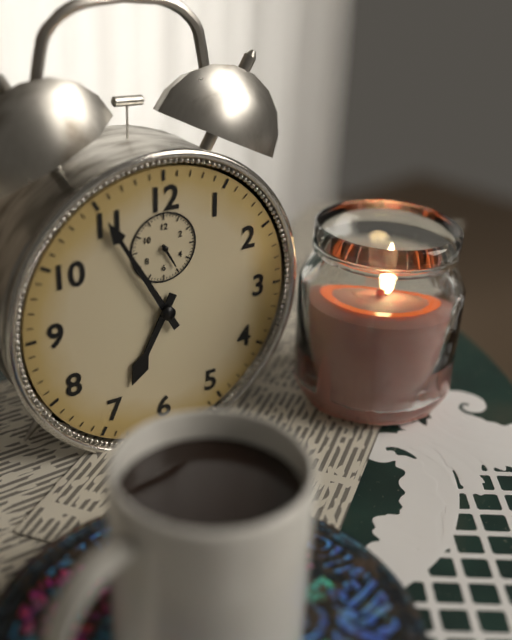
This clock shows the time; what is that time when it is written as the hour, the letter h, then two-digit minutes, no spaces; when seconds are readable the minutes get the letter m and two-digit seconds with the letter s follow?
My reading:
6h55
